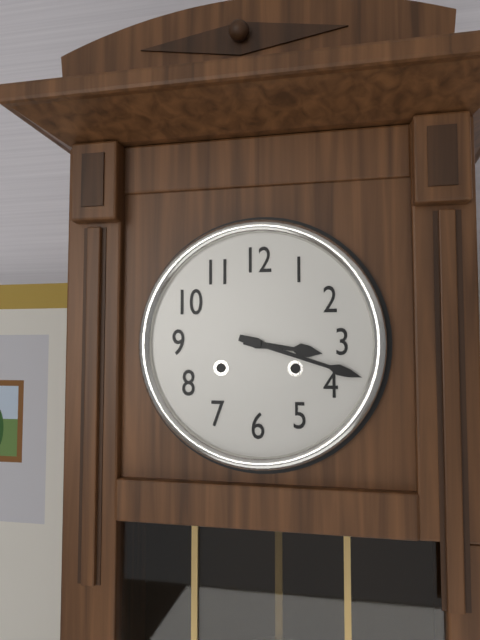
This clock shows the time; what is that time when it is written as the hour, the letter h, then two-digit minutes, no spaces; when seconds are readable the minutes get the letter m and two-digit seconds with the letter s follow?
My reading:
3h18
